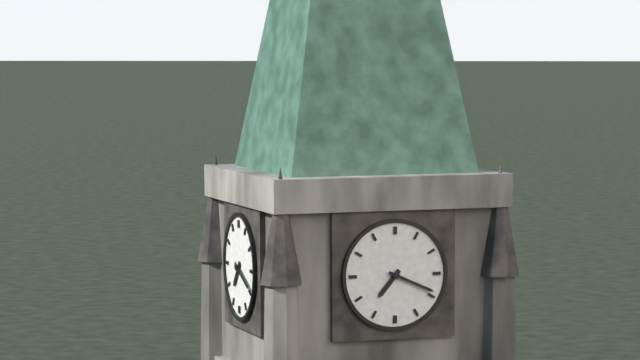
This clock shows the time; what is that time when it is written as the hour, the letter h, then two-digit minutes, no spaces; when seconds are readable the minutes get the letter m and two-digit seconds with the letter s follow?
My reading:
7h19
